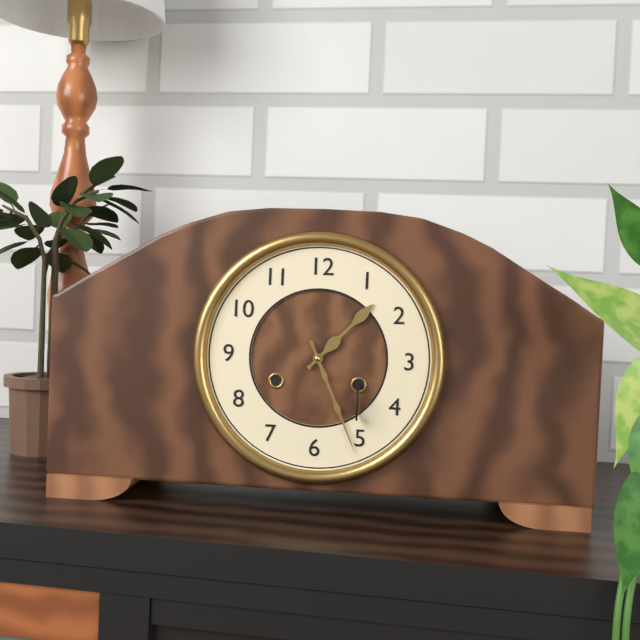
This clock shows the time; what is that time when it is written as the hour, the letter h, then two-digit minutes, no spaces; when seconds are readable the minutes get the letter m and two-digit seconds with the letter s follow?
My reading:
1h26
